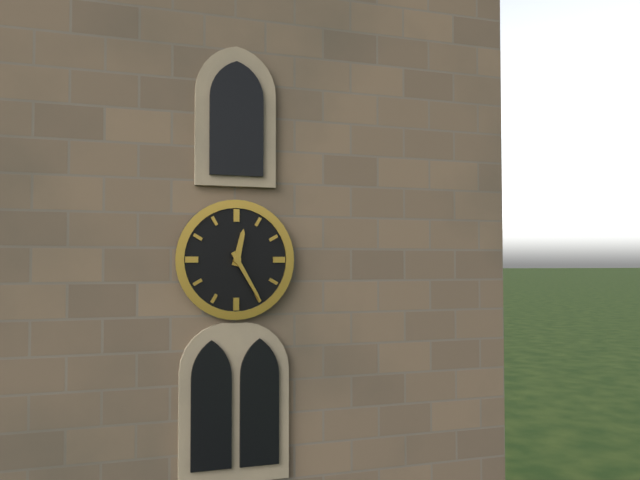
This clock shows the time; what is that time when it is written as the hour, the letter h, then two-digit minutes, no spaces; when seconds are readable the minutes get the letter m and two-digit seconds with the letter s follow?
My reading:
12h25
